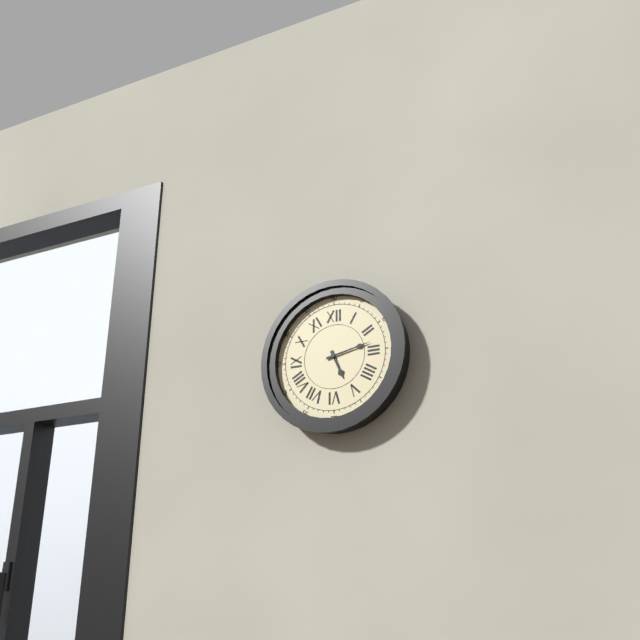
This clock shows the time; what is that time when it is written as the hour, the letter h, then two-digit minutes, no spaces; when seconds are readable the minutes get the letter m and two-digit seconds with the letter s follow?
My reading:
5h13
